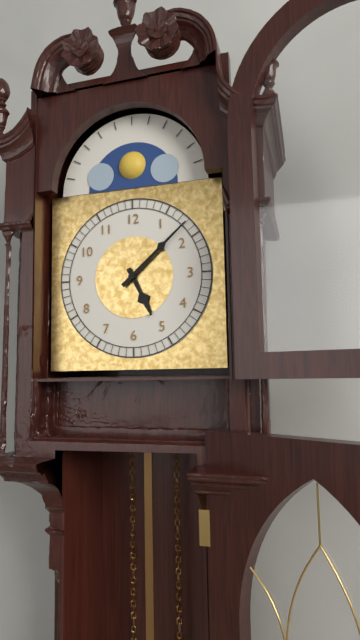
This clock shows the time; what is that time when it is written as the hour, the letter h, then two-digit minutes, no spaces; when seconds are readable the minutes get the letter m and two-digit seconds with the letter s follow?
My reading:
5h08
